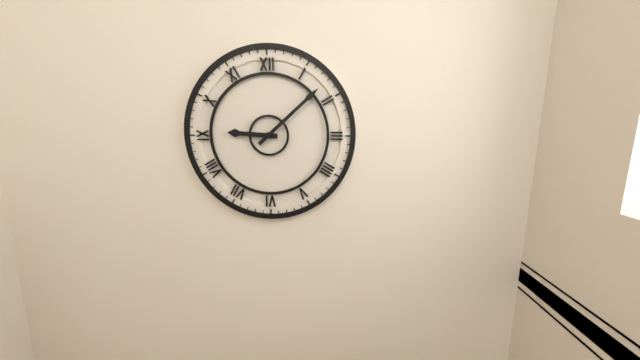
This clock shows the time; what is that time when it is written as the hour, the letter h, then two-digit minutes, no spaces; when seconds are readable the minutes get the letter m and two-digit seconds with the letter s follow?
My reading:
9h08
